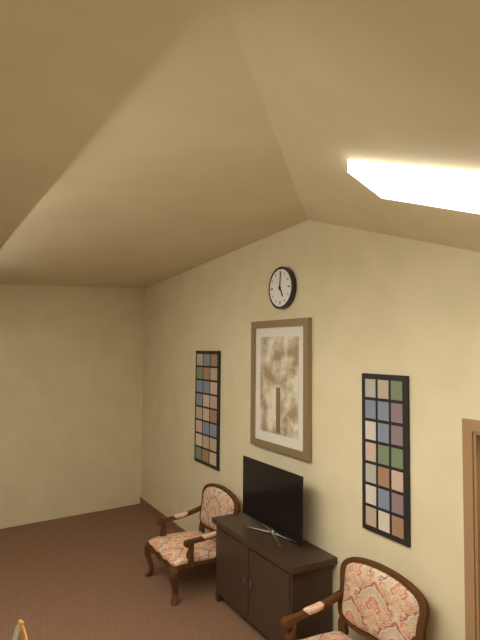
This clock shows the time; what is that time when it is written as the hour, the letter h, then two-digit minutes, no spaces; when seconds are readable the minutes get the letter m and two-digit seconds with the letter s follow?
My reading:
5h01
